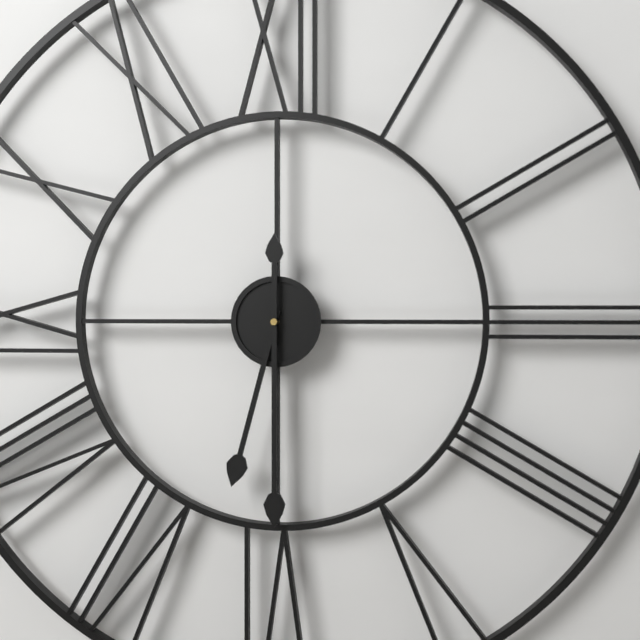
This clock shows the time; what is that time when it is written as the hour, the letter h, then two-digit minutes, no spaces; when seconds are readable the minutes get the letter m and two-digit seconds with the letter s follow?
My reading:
6h30
